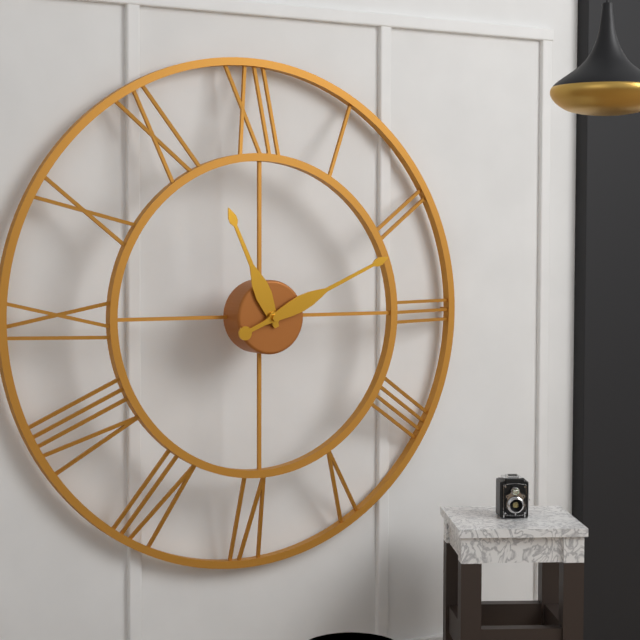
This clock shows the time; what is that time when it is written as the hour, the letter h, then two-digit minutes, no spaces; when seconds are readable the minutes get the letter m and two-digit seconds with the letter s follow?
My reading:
11h11
